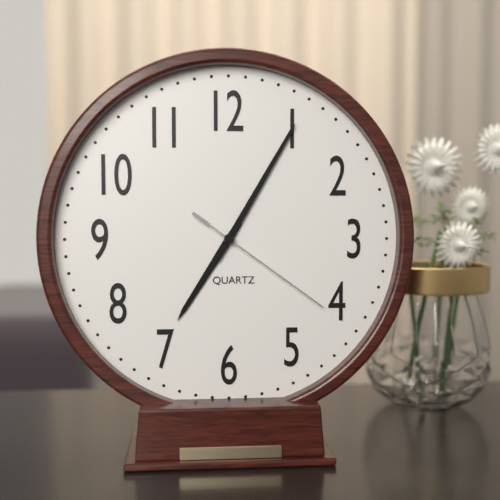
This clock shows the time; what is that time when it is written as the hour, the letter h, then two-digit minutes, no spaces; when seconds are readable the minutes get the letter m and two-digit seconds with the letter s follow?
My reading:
7h05m21s
